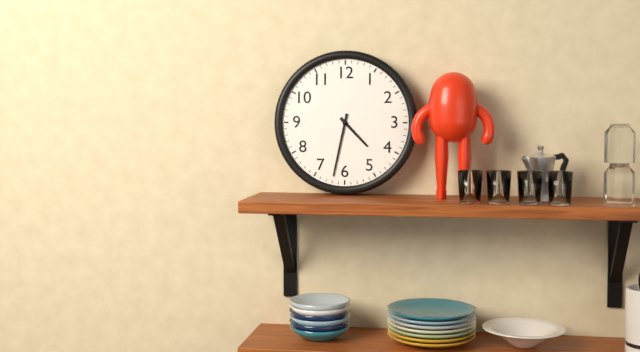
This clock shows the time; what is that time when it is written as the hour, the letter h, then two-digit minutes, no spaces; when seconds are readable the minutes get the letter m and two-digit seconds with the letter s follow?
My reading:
4h32
